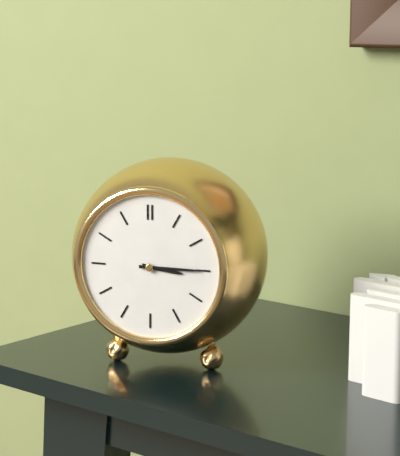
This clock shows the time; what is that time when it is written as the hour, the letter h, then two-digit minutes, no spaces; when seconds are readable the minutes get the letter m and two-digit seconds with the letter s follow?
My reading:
3h15
